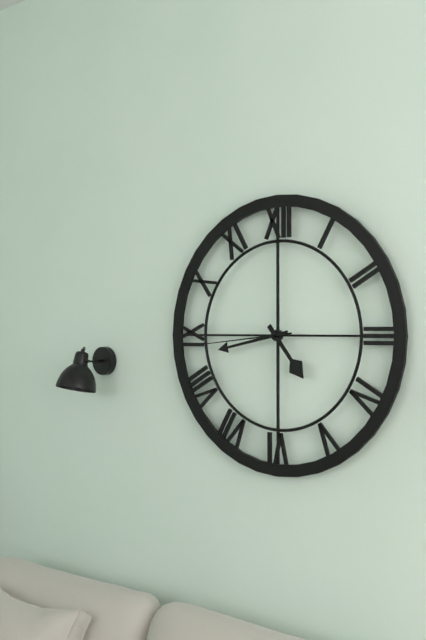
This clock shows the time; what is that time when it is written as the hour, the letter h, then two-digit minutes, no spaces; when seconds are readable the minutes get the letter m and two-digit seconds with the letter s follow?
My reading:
4h43m44s
